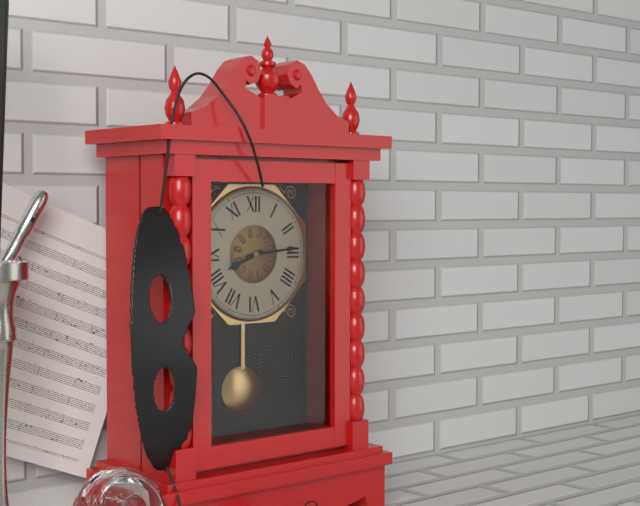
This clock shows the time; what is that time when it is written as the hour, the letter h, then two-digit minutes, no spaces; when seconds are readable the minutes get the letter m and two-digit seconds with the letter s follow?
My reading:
8h14
